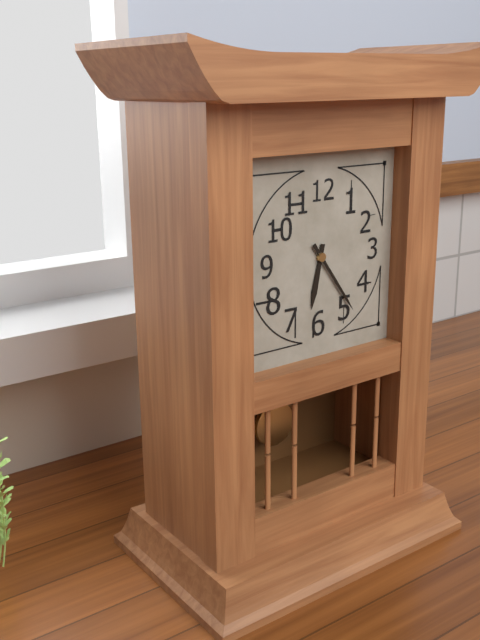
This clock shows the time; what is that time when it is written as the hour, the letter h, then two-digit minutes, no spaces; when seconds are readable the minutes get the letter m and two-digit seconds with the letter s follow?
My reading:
6h24
